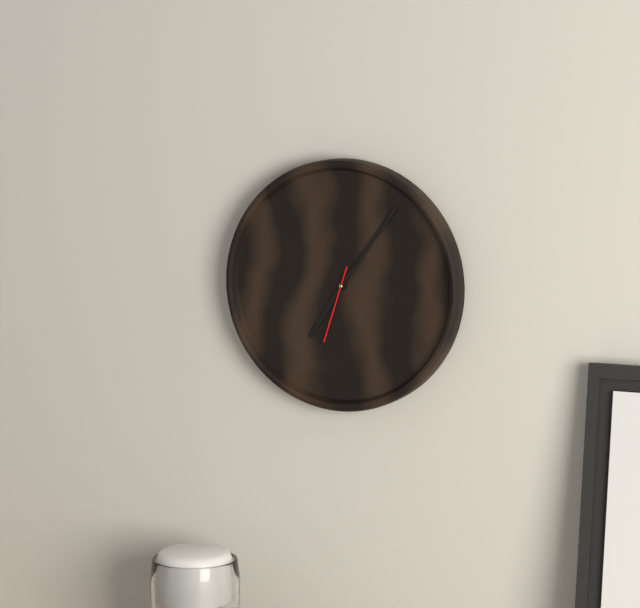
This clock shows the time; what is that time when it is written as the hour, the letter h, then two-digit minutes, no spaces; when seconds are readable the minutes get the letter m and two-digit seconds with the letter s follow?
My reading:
7h06m33s
